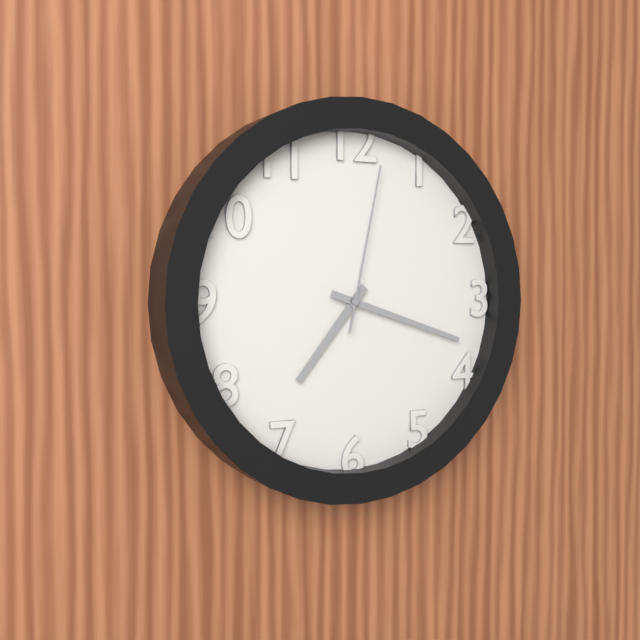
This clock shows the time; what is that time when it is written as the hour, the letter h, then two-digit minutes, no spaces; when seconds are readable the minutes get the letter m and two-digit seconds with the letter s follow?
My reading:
7h18m02s
